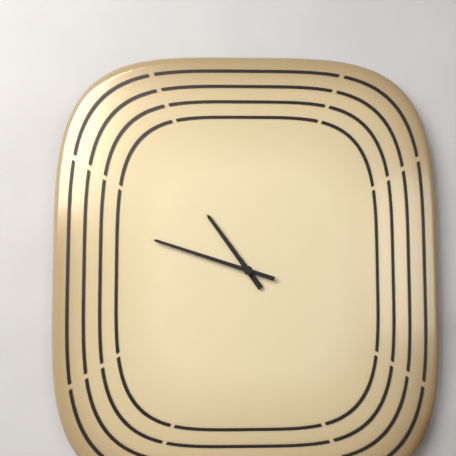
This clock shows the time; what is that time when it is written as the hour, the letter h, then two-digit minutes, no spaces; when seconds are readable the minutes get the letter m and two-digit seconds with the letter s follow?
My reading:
10h48
